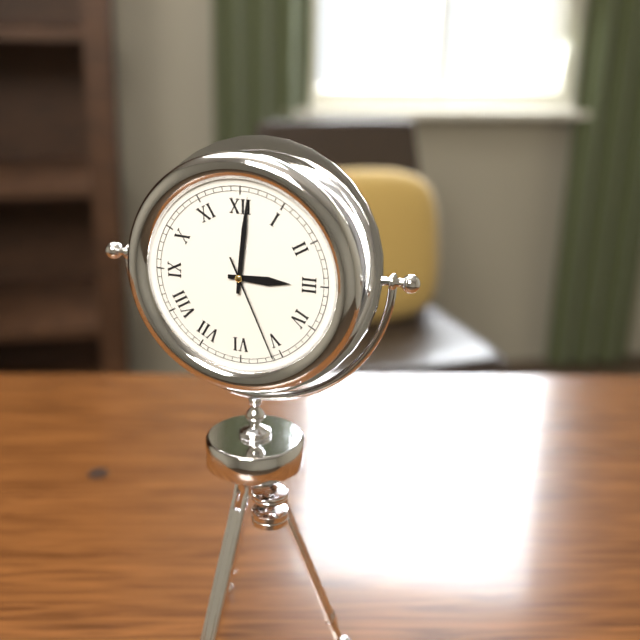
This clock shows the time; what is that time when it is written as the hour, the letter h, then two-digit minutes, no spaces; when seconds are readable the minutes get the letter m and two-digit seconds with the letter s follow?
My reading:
3h01m26s
